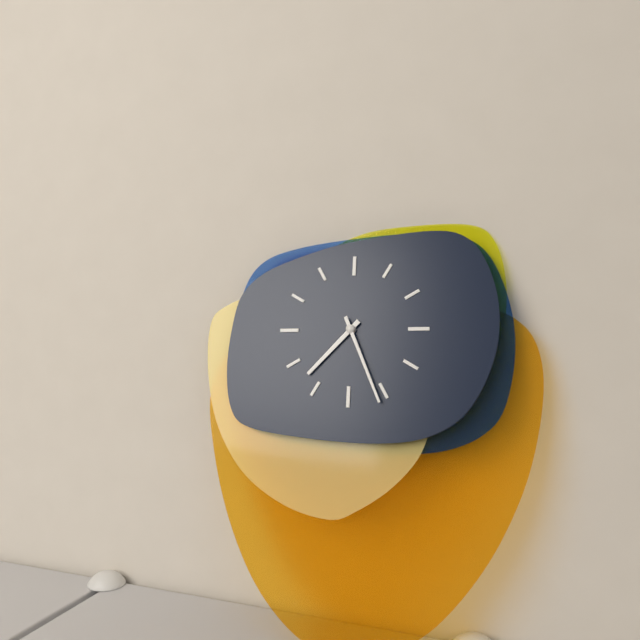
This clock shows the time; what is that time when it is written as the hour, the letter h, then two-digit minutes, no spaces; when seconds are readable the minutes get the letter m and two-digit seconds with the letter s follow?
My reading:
7h26
